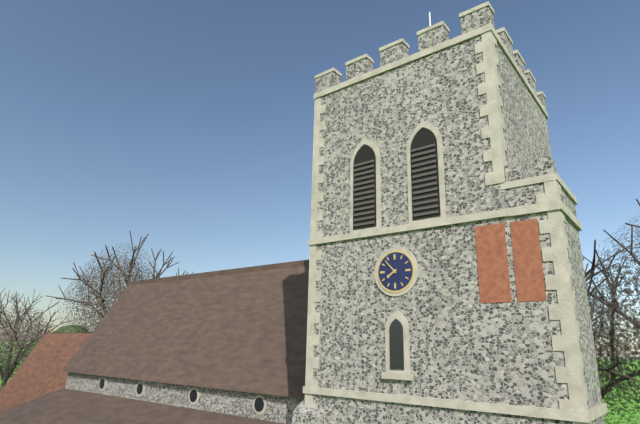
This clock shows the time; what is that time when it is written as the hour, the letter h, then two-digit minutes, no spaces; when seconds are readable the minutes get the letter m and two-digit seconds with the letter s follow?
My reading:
7h53
